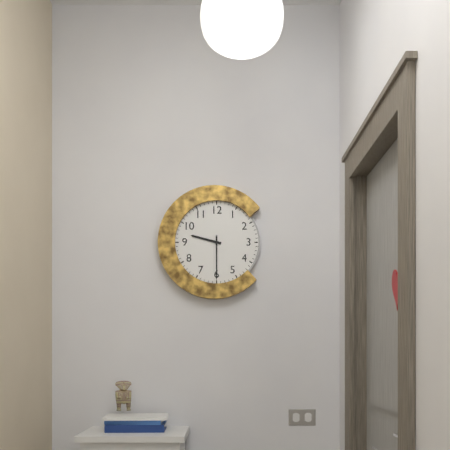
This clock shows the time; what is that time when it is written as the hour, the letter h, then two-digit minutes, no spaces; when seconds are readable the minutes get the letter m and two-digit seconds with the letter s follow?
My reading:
9h30
